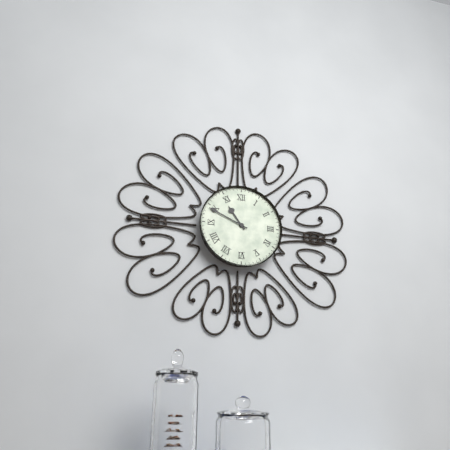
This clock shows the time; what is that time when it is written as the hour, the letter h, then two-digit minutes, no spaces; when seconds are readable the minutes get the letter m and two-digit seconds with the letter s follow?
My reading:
10h49
